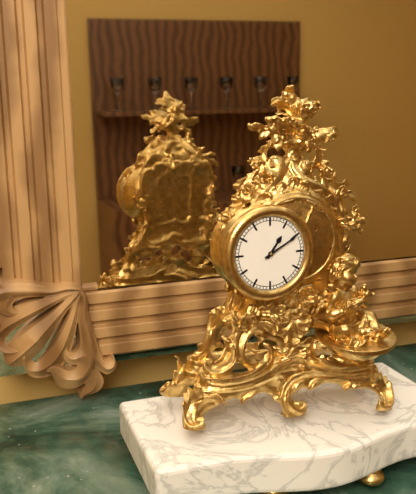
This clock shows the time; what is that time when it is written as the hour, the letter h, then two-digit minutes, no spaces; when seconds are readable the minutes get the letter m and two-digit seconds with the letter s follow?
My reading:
1h10
